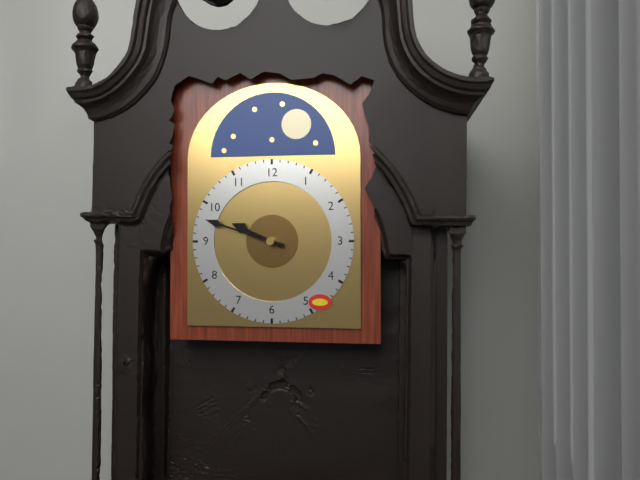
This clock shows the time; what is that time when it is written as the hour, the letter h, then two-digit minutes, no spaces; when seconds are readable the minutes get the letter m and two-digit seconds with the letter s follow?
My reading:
9h48
